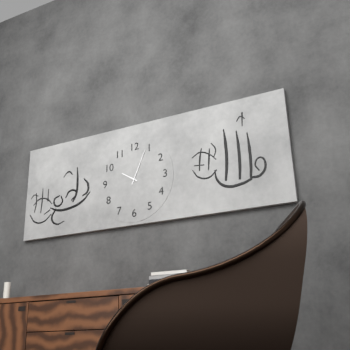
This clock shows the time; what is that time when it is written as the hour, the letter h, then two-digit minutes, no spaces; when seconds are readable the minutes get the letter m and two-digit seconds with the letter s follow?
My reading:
10h04
